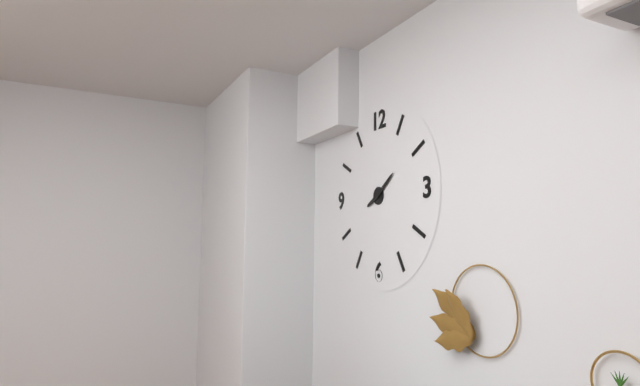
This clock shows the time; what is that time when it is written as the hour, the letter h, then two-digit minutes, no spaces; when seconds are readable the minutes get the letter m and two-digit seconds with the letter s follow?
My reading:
8h09
